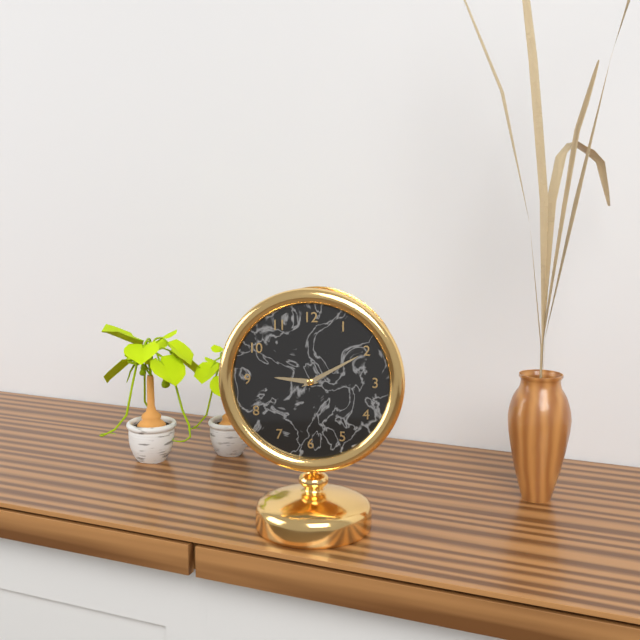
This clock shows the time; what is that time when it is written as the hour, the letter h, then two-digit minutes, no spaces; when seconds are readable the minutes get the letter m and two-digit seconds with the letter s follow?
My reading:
9h10
